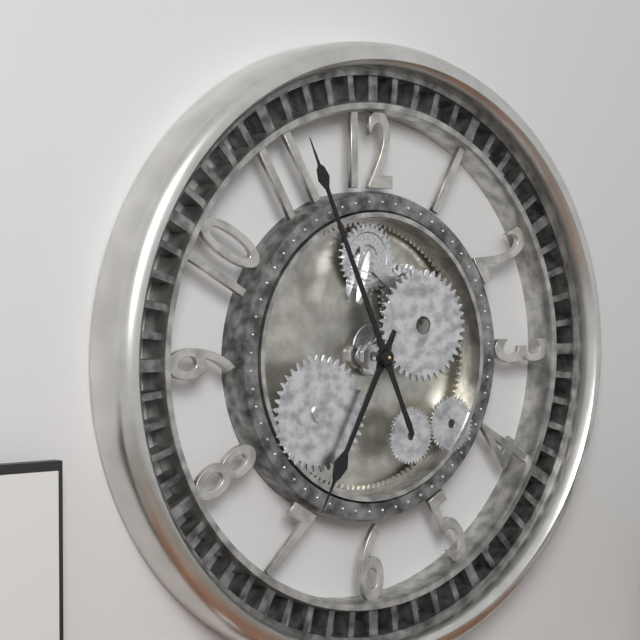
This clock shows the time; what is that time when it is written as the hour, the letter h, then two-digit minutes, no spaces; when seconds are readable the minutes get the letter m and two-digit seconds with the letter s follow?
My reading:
6h56
